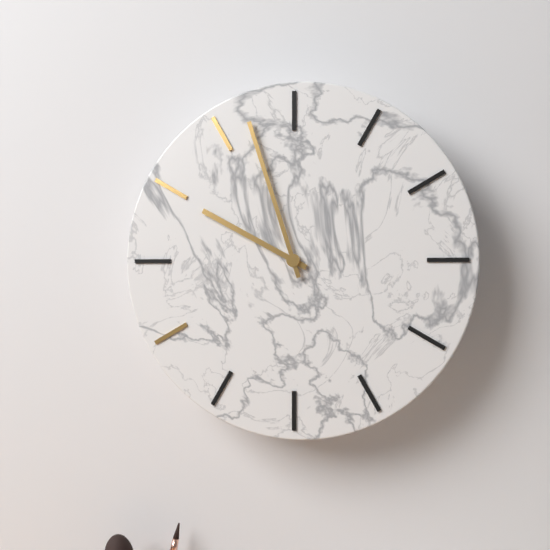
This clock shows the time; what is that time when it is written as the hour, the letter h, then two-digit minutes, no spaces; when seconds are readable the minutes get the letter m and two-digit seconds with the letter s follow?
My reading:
9h57
